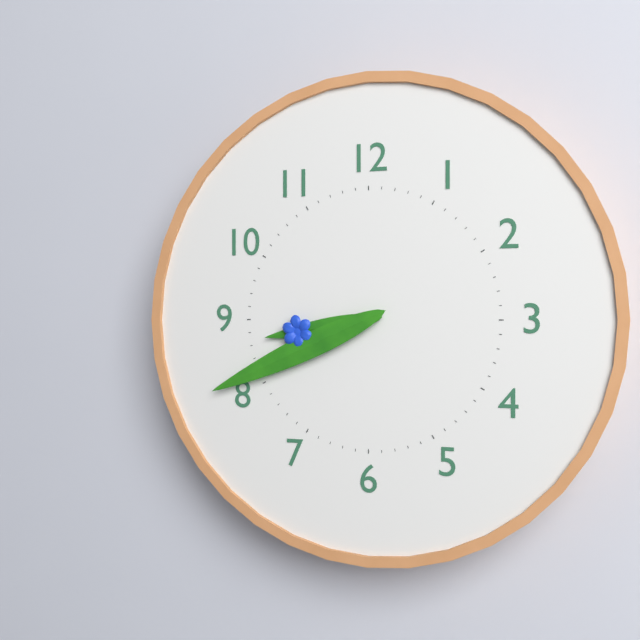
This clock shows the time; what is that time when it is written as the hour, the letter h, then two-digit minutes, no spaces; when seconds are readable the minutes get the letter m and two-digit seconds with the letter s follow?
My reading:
8h41
